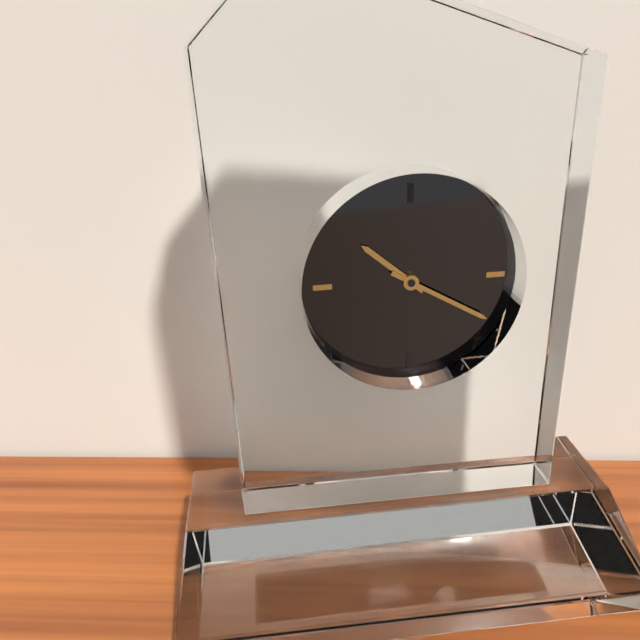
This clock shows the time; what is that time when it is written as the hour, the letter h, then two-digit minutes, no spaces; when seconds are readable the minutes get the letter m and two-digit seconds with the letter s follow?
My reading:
10h20
